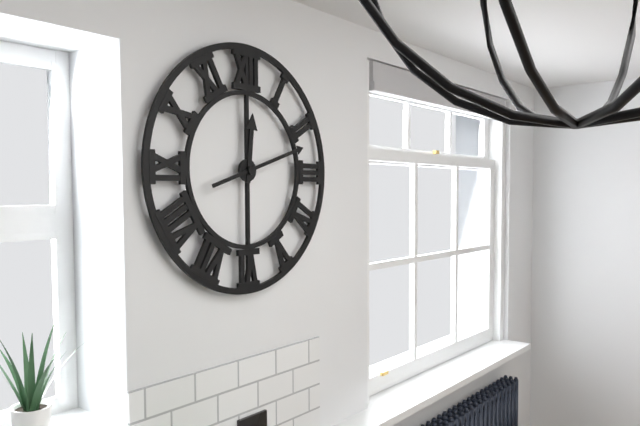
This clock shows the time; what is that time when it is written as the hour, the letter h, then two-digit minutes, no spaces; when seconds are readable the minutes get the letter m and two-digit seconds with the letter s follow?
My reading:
12h12
